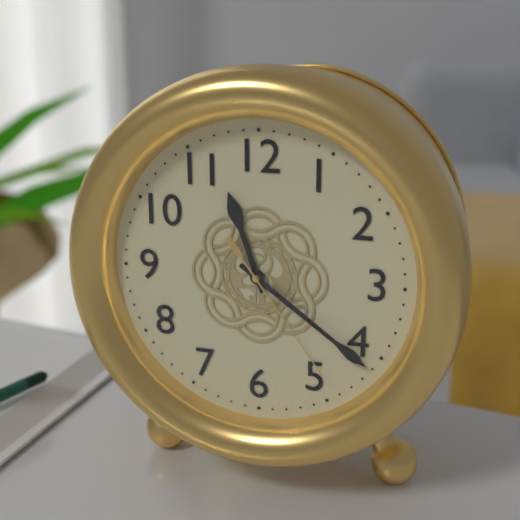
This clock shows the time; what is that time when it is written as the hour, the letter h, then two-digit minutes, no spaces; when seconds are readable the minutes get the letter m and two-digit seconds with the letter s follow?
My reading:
11h21m24s
